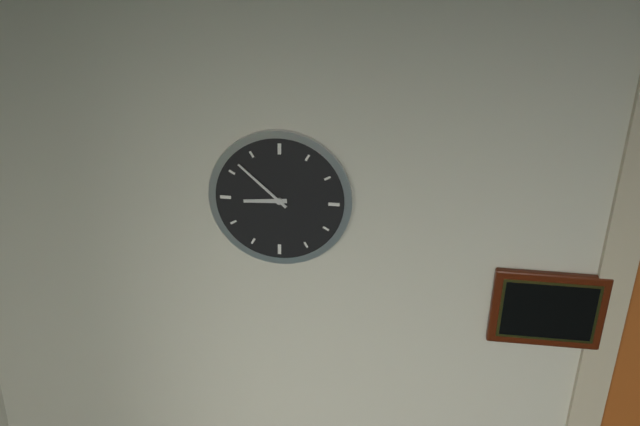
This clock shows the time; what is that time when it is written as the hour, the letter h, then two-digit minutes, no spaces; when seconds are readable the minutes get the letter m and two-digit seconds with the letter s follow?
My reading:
8h52
